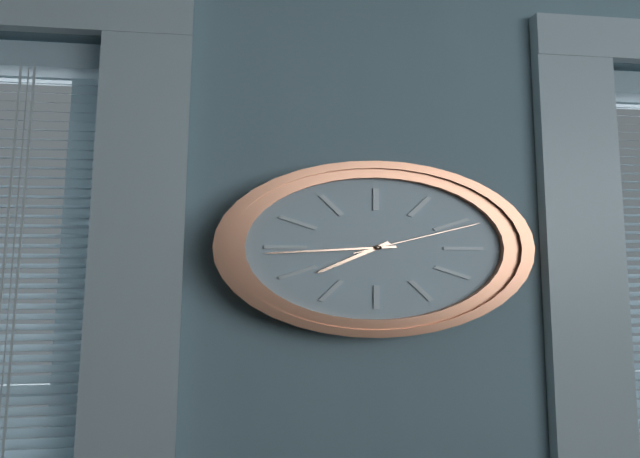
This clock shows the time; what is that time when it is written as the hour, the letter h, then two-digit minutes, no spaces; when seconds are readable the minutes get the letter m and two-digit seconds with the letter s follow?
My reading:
7h44m11s
